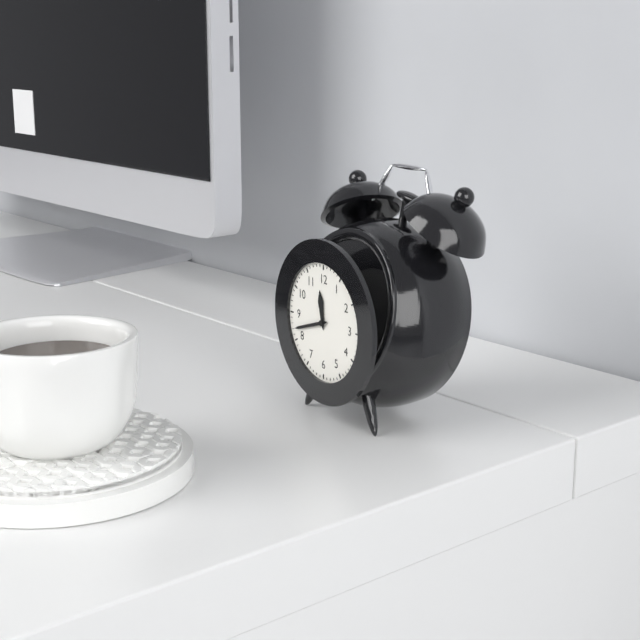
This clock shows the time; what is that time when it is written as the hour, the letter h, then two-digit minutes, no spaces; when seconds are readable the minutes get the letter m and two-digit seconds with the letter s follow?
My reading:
11h42
